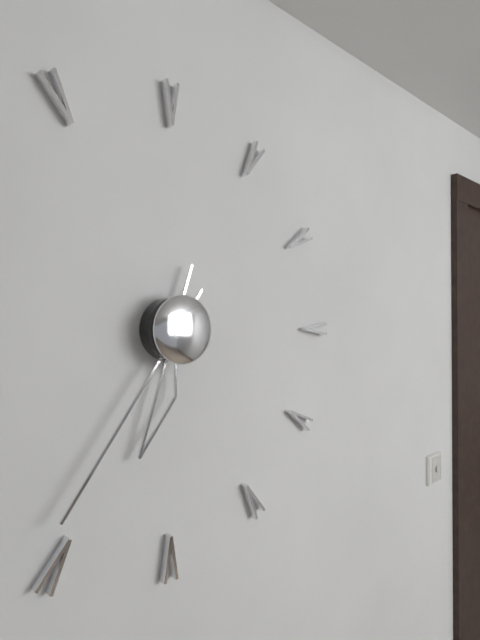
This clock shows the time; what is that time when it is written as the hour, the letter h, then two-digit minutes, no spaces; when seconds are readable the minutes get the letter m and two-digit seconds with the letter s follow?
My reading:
6h36
